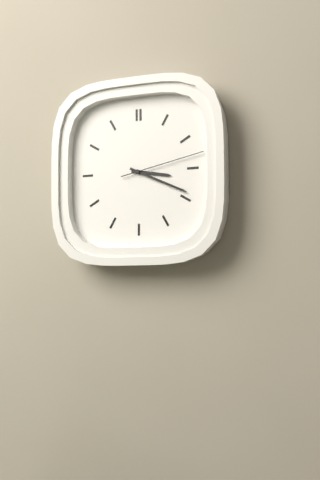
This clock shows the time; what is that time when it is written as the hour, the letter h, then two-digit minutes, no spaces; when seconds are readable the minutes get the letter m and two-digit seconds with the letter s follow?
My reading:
3h19m13s
